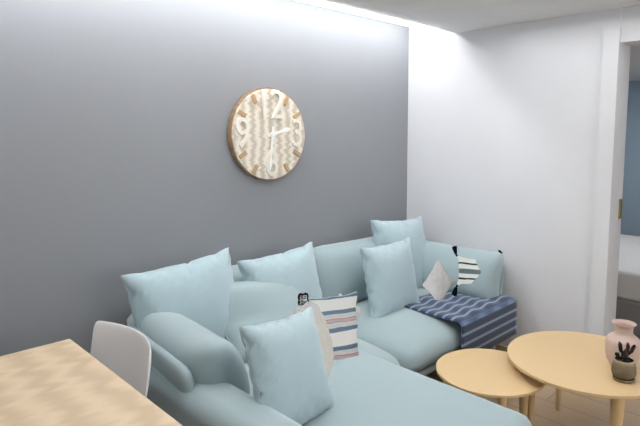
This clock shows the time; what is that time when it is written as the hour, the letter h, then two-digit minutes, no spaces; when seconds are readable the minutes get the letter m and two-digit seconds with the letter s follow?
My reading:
2h31
